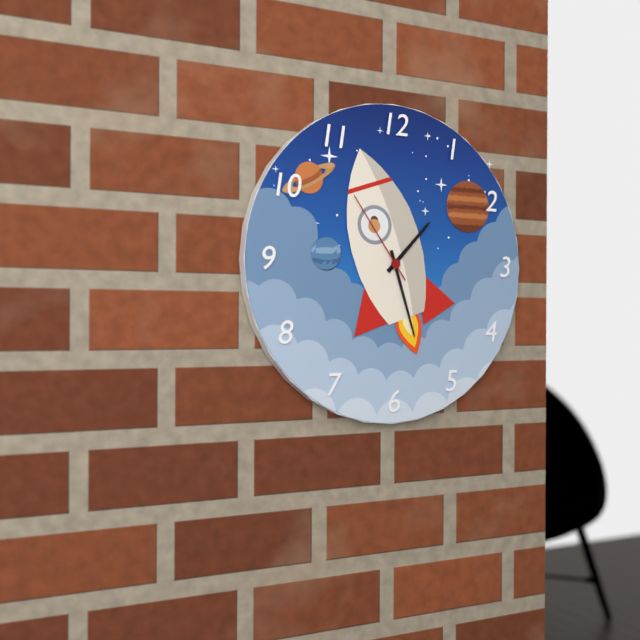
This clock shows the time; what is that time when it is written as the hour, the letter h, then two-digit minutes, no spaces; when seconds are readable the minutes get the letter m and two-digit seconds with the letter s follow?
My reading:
1h27m54s
